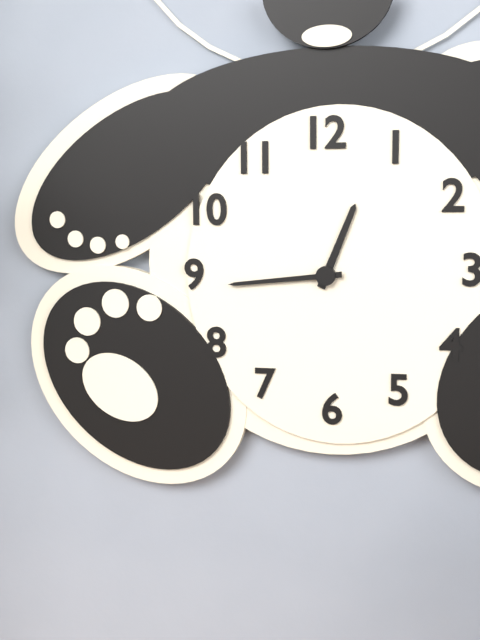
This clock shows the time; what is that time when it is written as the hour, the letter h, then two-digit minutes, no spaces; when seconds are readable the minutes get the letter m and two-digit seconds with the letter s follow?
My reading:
12h44
